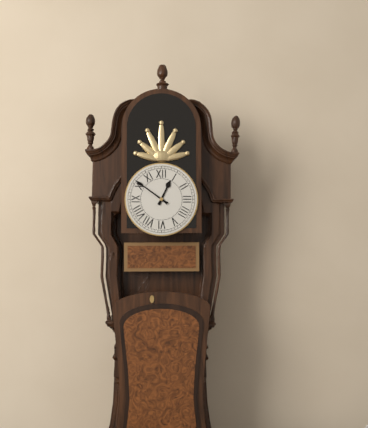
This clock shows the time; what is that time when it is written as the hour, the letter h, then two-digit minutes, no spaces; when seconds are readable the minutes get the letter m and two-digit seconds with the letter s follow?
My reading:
12h51
